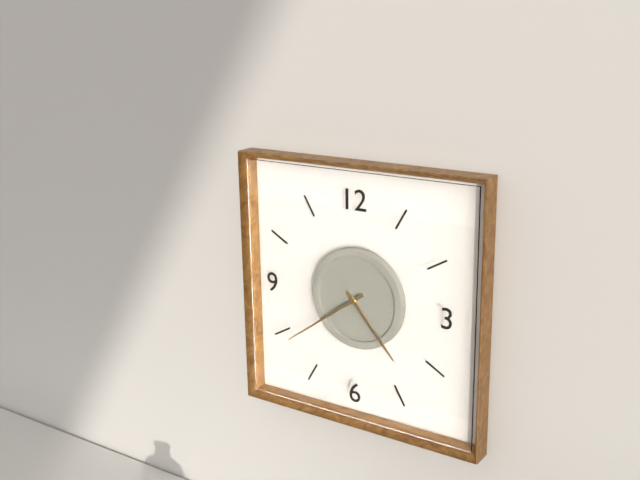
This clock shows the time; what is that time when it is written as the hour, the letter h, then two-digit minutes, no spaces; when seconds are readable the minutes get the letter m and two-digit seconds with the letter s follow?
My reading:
4h39
